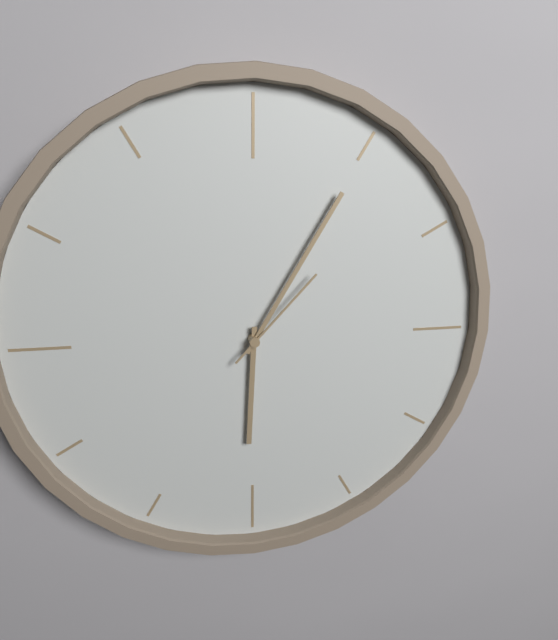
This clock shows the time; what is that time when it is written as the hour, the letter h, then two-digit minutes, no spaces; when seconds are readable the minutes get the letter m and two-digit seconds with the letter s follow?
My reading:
6h05m07s
